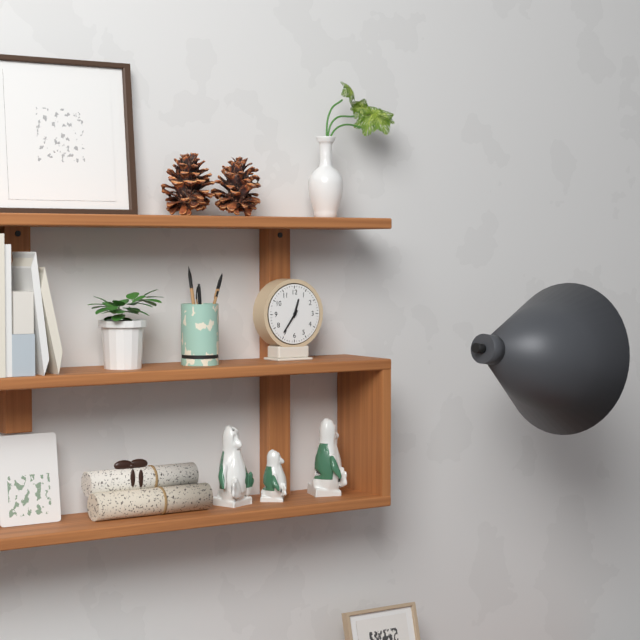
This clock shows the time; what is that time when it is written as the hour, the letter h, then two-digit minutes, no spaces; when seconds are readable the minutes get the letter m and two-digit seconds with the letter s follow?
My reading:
12h36
